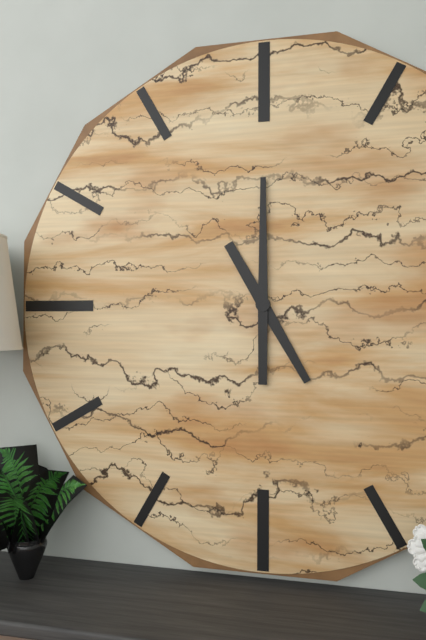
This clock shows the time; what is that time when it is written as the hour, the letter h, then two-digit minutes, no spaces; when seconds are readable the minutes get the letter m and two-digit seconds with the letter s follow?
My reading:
5h00
